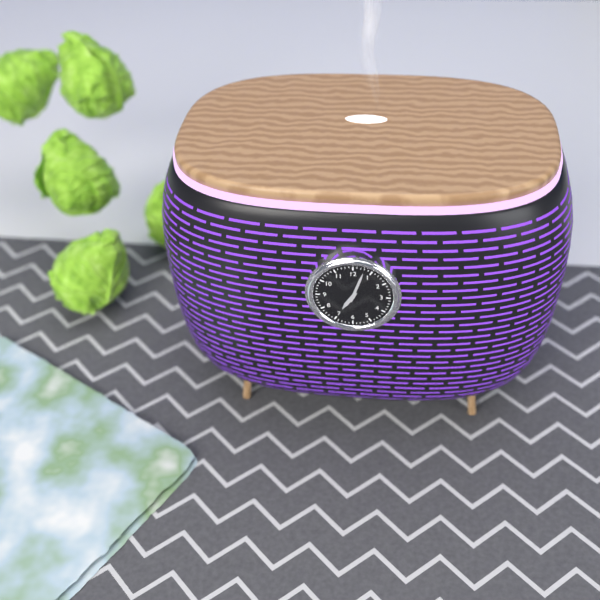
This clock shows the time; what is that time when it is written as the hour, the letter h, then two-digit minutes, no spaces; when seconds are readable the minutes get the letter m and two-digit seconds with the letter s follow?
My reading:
7h03
